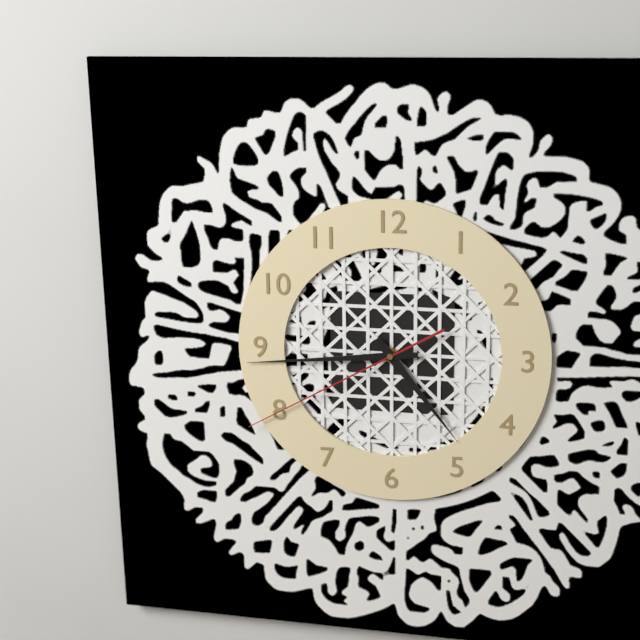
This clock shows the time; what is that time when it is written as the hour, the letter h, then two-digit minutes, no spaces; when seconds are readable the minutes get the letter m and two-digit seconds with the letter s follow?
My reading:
4h44m40s
